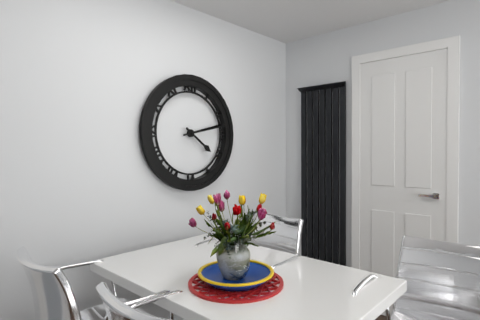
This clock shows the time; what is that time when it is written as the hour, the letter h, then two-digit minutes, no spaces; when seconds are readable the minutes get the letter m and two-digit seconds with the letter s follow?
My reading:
4h13
